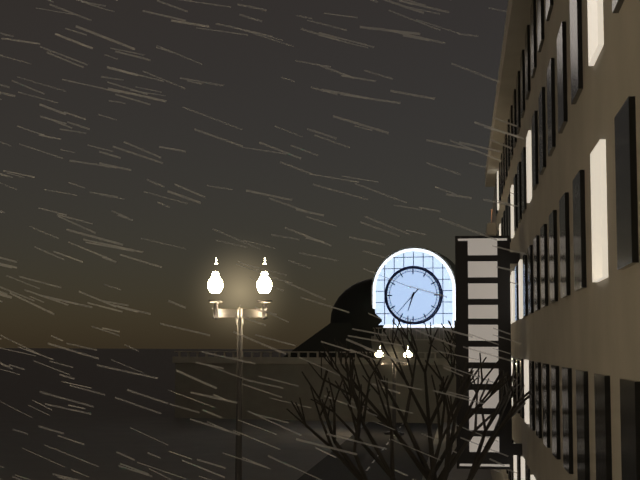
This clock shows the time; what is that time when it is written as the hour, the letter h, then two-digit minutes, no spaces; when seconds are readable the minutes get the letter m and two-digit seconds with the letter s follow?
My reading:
6h37
